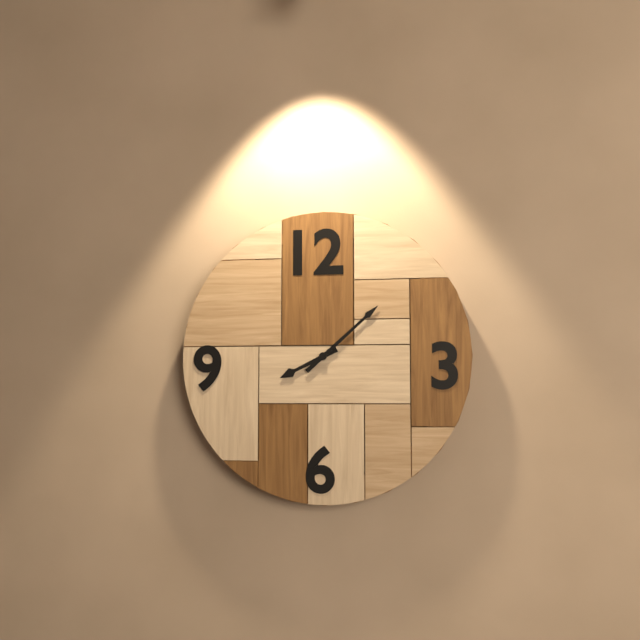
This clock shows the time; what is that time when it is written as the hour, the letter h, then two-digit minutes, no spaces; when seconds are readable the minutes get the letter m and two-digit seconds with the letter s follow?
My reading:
8h08
